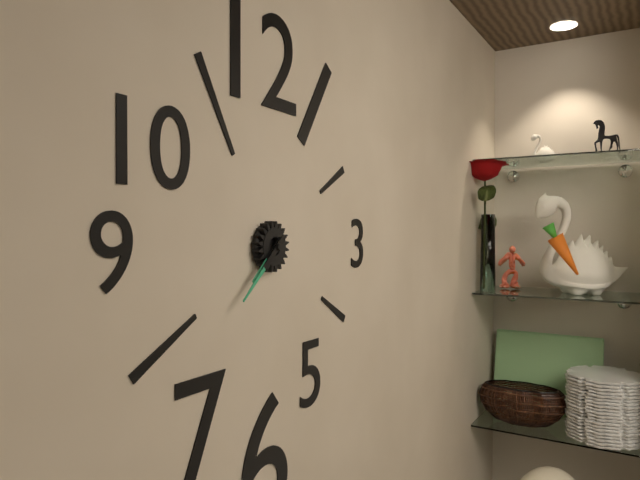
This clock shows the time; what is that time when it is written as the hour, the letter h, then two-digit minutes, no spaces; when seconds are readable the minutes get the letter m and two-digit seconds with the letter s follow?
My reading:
7h38
